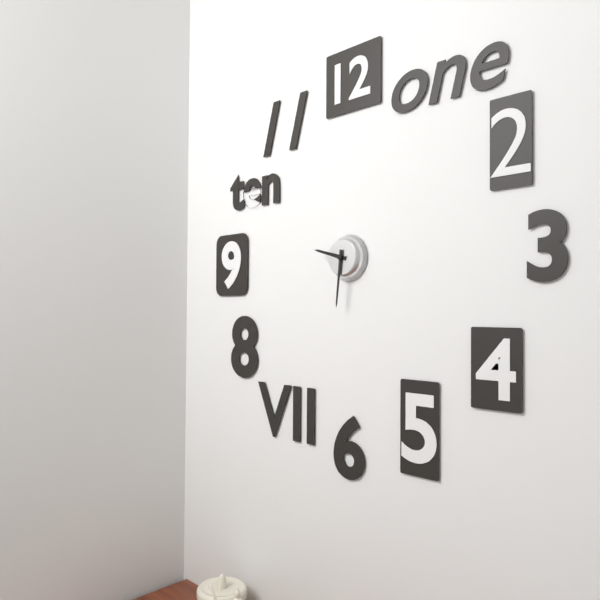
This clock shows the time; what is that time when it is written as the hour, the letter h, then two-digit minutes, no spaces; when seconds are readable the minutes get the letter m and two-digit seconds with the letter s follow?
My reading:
9h31
